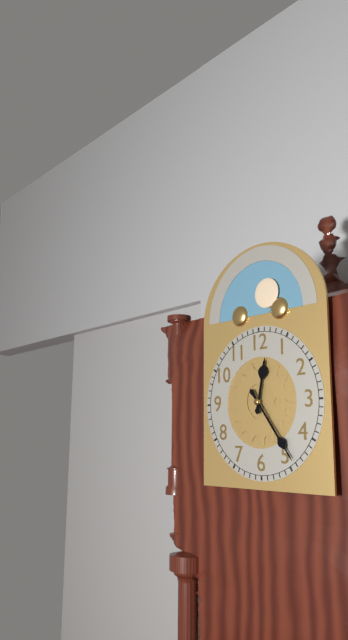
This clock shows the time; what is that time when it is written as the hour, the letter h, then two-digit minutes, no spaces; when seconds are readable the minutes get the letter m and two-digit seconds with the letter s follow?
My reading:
12h24
